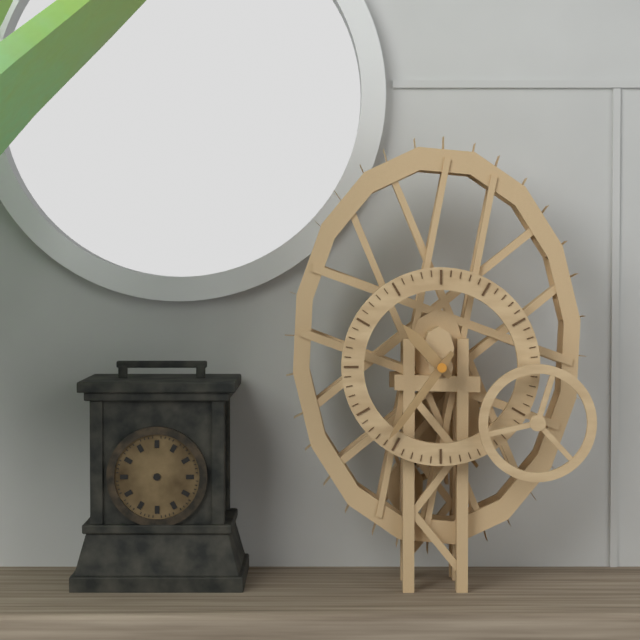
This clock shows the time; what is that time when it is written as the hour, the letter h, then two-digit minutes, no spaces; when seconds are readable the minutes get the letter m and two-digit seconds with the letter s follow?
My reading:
10h36
